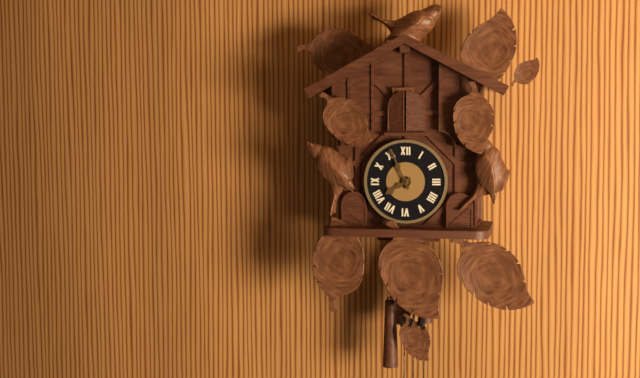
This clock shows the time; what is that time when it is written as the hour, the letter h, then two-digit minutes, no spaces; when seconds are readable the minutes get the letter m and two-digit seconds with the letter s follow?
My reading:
7h56
